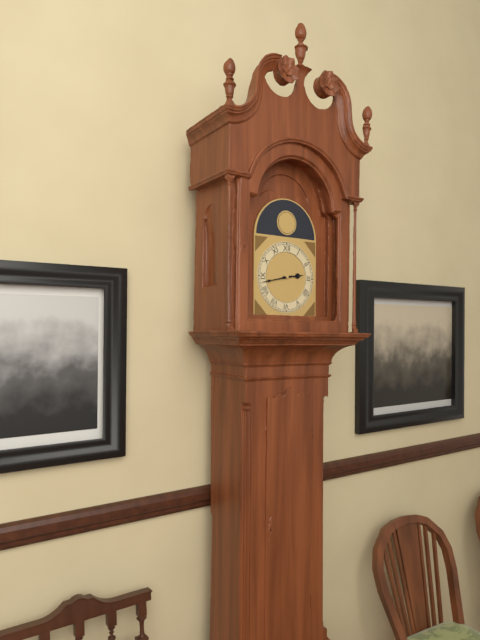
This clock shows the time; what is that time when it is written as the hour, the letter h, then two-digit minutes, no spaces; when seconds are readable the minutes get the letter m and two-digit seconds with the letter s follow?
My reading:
2h43
